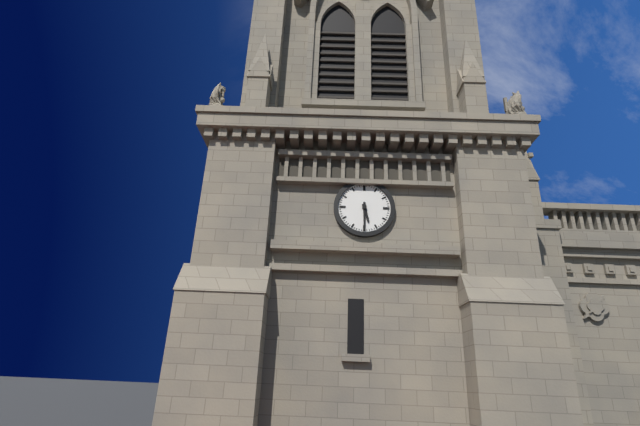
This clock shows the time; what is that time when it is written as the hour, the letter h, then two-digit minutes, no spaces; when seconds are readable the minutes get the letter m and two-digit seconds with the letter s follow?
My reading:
5h30
